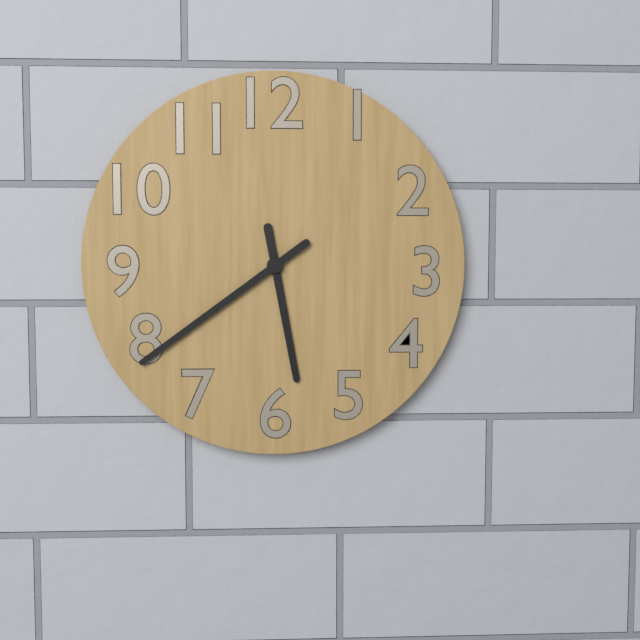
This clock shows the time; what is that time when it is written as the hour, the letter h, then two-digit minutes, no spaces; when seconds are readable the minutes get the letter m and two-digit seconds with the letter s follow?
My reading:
5h39
